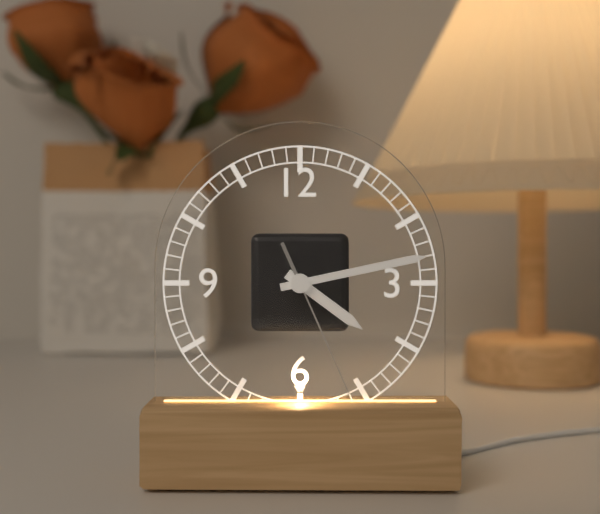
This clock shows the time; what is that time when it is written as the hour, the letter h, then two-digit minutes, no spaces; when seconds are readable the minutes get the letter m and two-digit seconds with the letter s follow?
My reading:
4h13m26s
